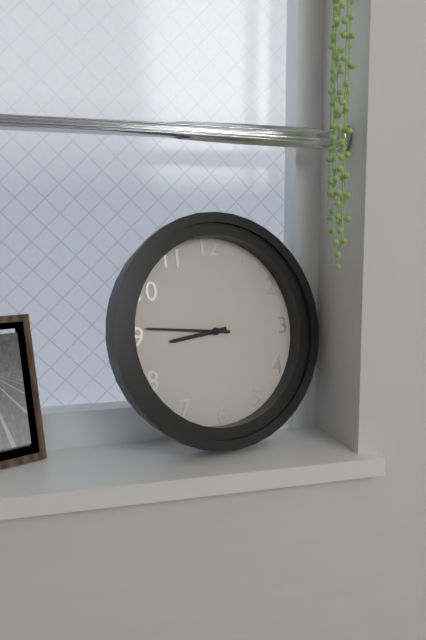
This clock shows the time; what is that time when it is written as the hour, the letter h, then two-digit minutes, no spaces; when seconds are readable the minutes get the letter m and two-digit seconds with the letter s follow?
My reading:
8h46
